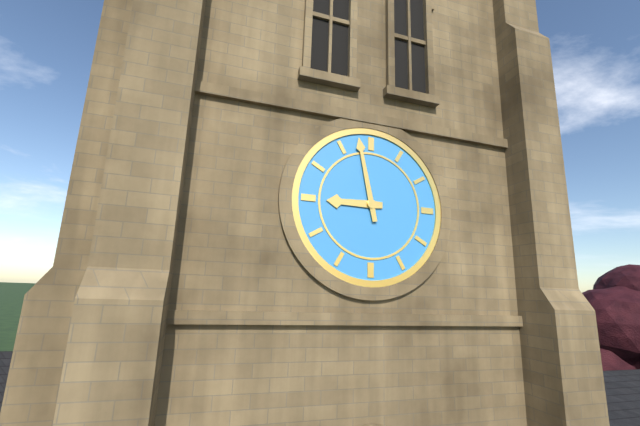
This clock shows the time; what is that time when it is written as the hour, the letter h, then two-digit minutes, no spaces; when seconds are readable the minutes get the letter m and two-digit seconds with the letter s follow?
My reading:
8h58
